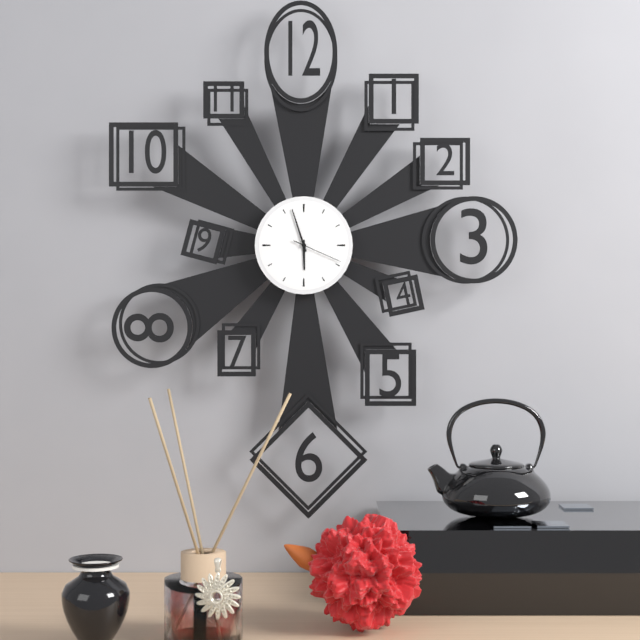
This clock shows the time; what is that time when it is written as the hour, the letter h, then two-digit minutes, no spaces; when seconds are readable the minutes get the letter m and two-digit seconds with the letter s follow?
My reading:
5h57m19s
